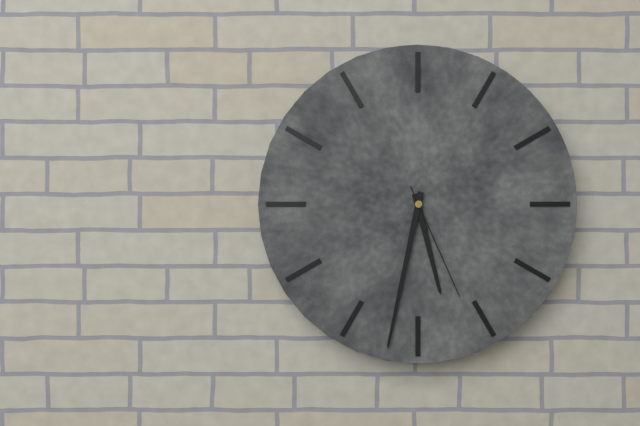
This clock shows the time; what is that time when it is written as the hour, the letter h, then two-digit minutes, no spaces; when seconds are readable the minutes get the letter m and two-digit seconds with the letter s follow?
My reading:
5h32m26s
